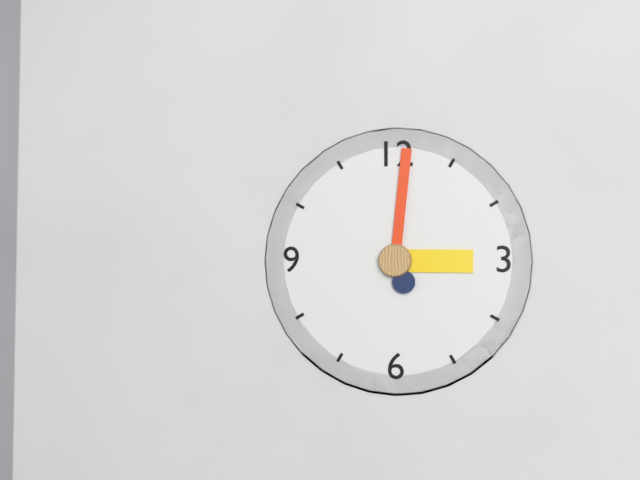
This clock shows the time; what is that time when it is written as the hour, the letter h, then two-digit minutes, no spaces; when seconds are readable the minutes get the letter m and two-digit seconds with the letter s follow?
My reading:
3h01
